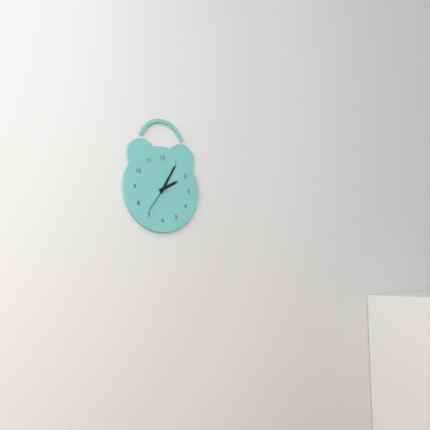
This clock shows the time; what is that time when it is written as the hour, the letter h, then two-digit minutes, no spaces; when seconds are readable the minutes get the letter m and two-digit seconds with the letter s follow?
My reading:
2h05
